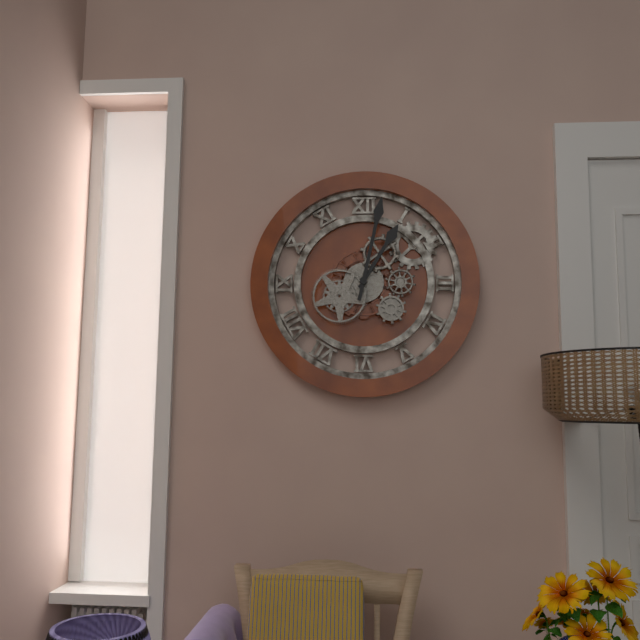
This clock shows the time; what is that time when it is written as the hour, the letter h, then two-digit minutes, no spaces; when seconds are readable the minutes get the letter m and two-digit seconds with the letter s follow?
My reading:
1h02
